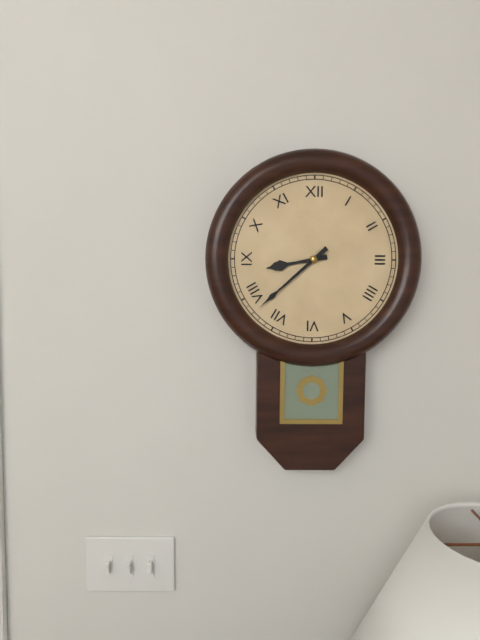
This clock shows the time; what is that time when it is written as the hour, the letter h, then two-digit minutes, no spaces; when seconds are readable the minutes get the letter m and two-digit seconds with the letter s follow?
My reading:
8h38
